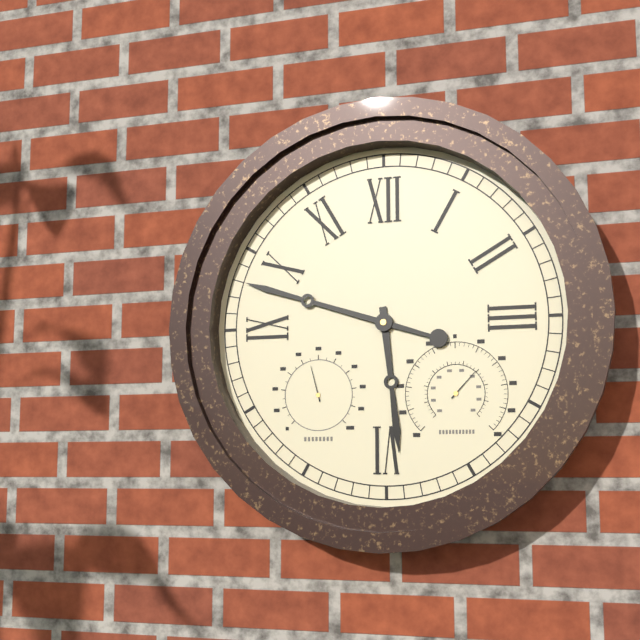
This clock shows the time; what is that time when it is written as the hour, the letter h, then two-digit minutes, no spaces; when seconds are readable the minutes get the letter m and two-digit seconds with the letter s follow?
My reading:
5h48
